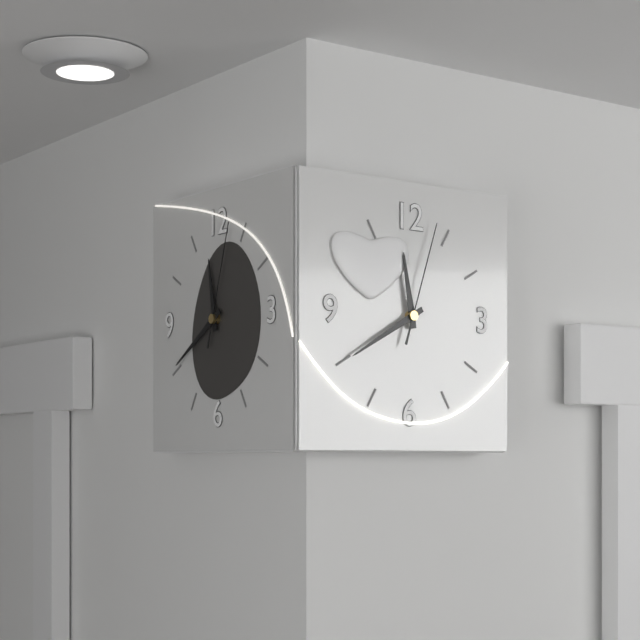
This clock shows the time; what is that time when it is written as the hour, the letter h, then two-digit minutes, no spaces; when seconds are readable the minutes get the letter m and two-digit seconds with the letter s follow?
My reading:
11h40m03s
